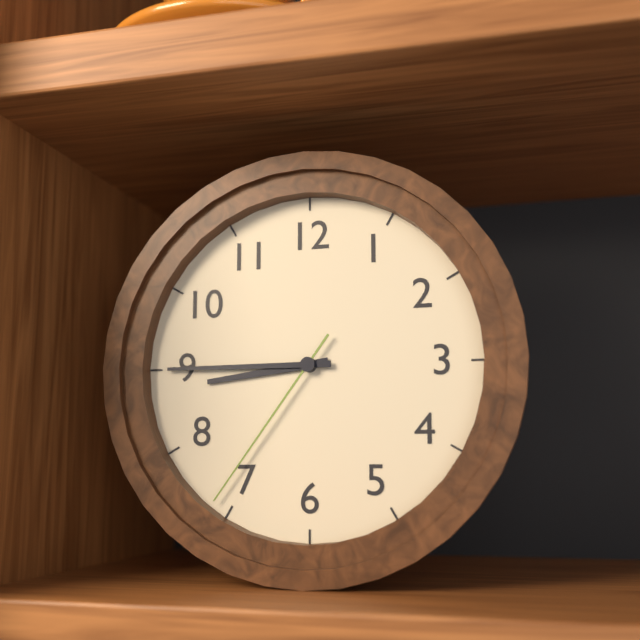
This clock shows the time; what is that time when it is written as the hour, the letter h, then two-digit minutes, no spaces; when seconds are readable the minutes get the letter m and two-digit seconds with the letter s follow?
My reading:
8h45m36s
